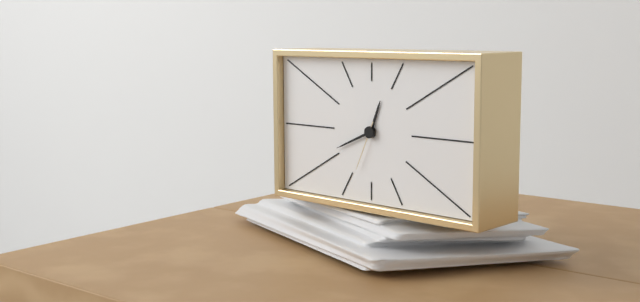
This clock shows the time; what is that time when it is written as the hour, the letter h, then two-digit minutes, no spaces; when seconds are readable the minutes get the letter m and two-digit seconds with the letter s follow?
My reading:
12h41
